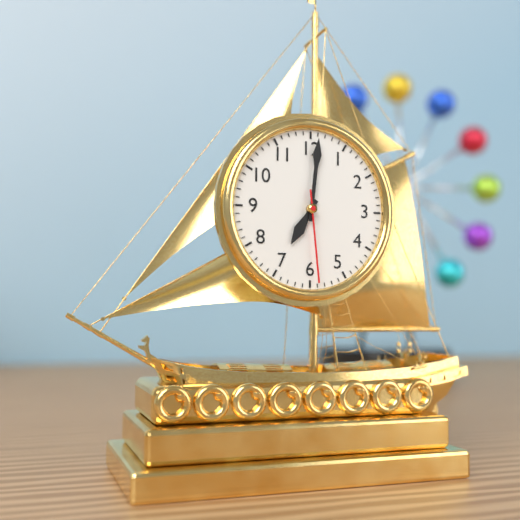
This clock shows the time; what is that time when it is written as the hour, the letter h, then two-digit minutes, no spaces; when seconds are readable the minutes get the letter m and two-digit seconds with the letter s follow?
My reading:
7h01m29s
